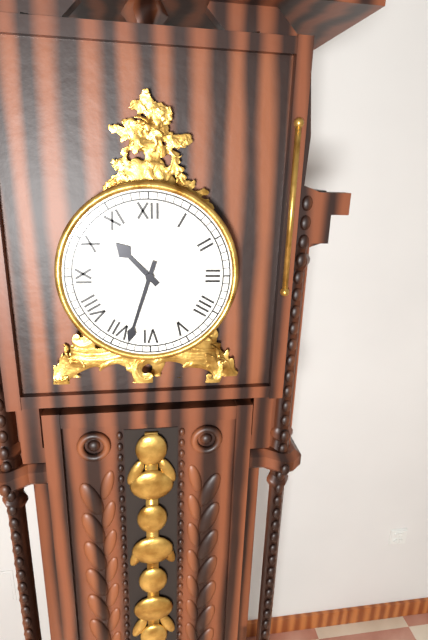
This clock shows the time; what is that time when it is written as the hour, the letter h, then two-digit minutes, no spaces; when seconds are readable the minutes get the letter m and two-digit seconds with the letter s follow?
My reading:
10h33
